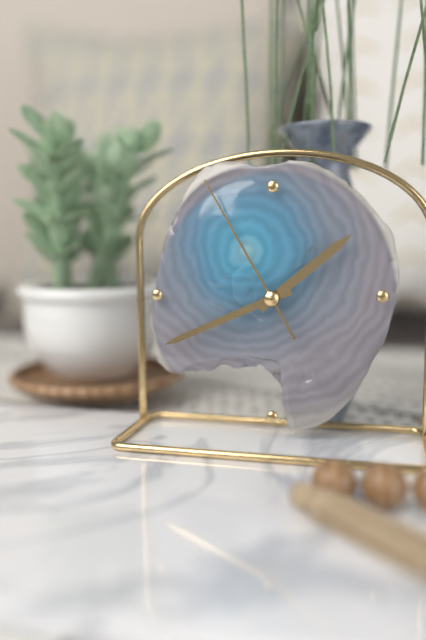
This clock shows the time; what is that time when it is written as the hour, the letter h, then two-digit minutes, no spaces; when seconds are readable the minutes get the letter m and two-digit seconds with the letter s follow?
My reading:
1h41m55s
